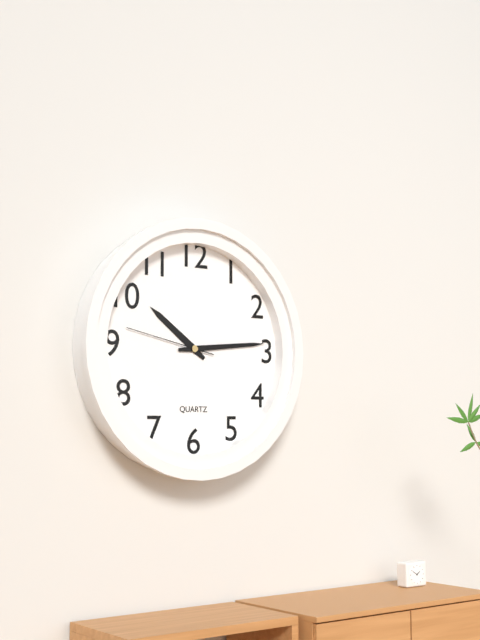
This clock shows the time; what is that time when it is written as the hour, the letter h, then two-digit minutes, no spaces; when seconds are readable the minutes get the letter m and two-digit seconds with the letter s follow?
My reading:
10h14m47s
